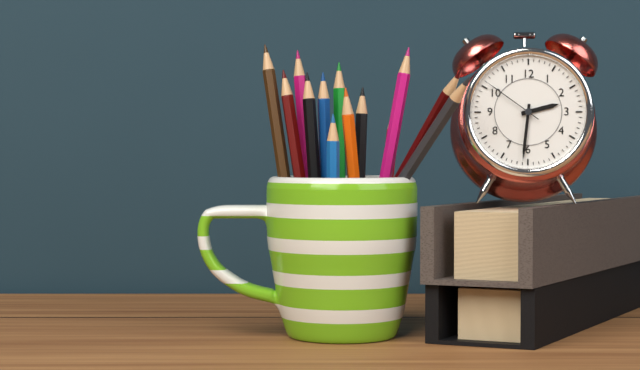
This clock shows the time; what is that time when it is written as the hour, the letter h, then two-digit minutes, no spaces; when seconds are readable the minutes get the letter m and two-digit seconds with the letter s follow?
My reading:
2h31m51s
